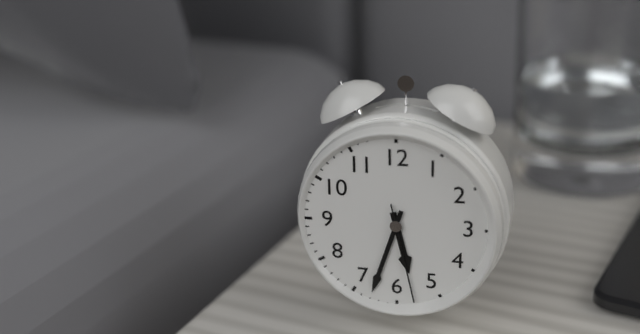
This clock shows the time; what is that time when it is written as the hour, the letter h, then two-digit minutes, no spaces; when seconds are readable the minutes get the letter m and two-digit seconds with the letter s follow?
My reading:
5h33m28s
